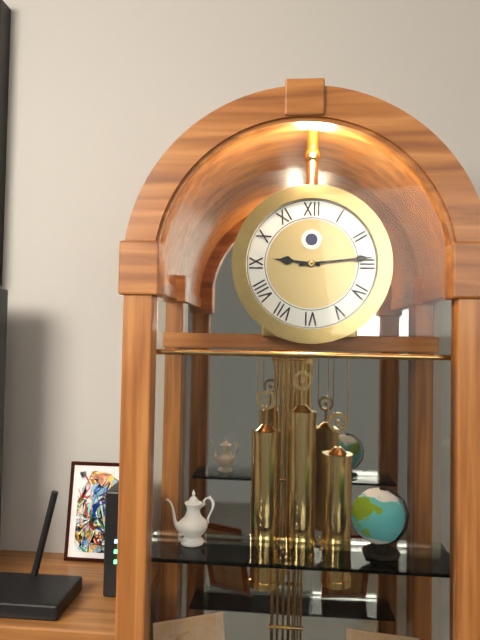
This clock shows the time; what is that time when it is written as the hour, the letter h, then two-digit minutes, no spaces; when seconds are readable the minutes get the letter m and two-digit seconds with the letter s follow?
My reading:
9h14
